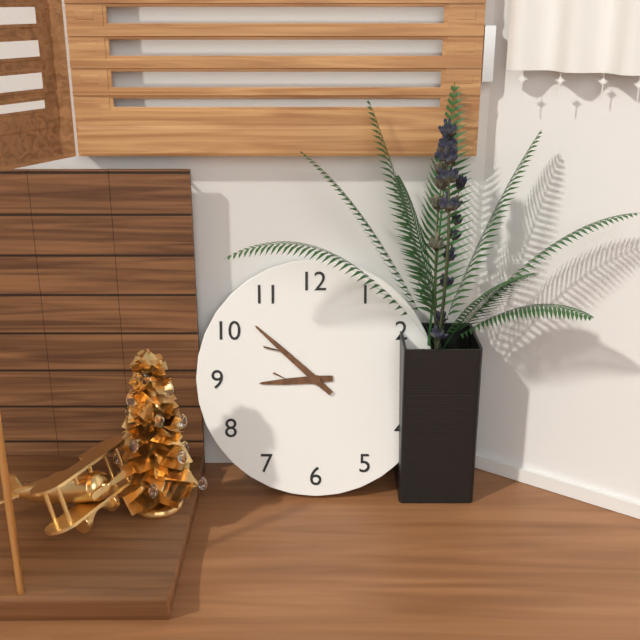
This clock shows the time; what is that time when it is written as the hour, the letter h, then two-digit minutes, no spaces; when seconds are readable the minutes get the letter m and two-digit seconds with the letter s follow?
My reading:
8h52
